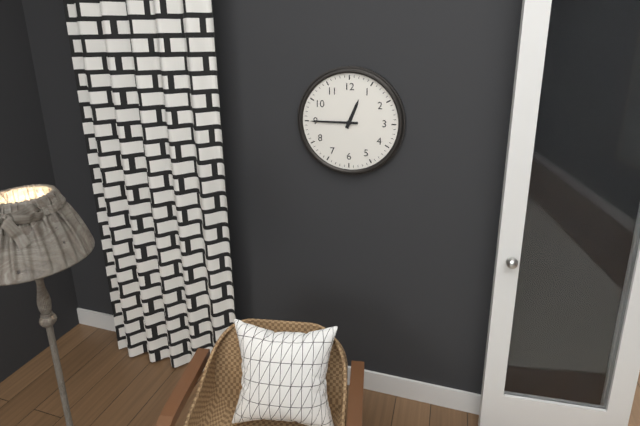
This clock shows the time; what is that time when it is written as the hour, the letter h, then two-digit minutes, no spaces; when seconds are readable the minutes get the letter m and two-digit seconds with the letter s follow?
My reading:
12h45
